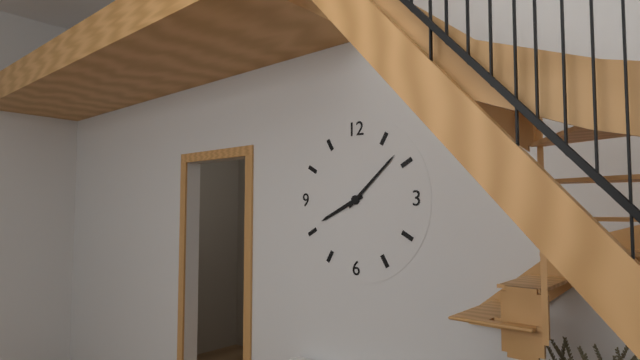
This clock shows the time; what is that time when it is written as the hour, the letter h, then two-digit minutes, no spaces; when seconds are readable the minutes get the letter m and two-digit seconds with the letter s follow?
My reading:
8h08
